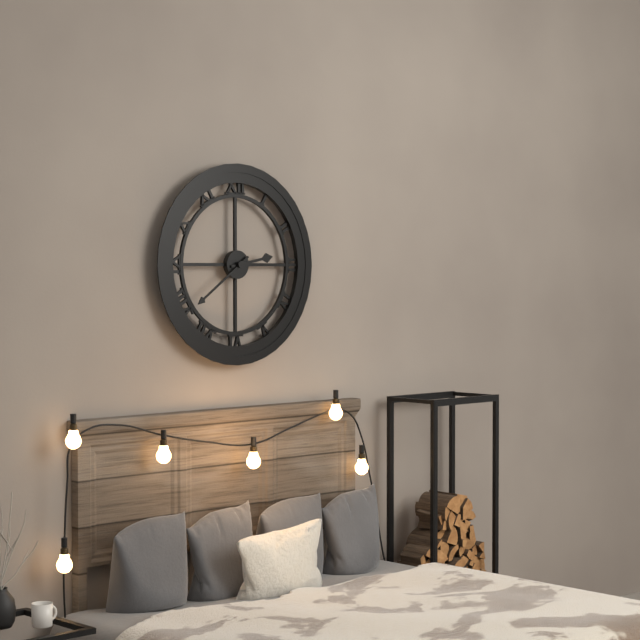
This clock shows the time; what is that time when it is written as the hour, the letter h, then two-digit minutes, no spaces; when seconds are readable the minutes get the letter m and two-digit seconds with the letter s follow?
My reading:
2h39
